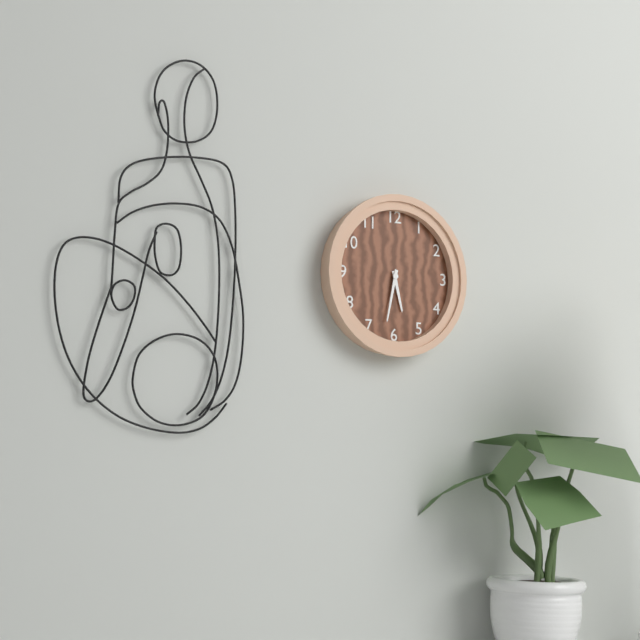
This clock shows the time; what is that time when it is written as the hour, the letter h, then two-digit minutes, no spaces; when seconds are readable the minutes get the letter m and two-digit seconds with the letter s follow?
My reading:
5h32
